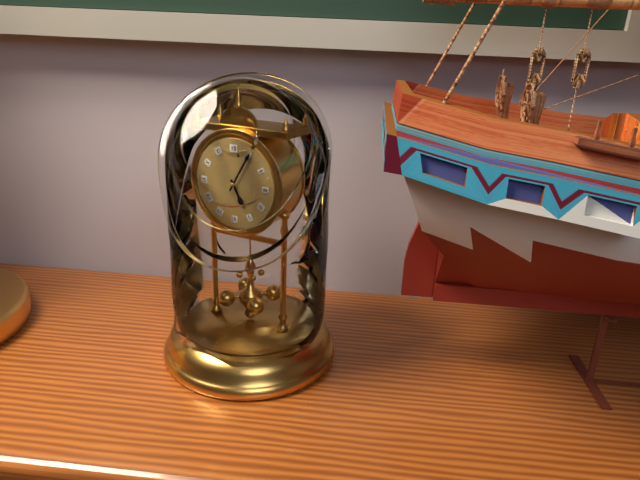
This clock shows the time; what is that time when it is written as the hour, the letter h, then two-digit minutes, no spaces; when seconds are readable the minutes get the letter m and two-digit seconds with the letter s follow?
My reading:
5h05
